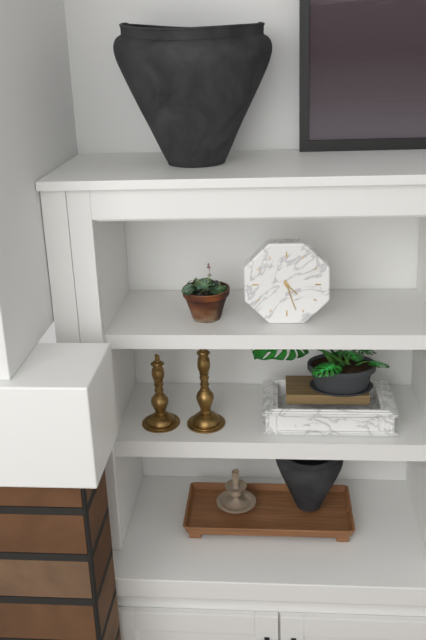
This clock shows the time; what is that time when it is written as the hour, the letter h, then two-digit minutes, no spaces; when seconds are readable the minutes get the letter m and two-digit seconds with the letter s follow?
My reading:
4h27
